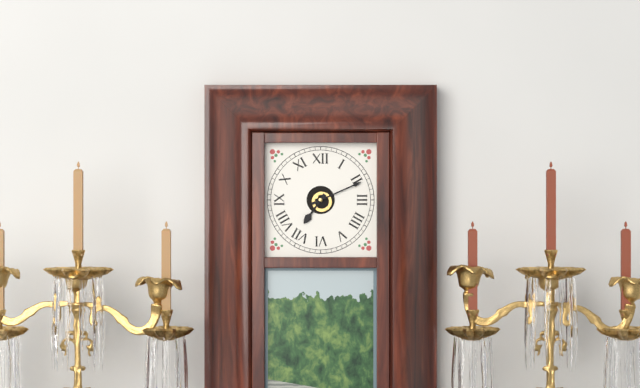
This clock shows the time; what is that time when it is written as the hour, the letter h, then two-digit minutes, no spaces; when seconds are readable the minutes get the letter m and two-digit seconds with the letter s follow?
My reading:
7h11
